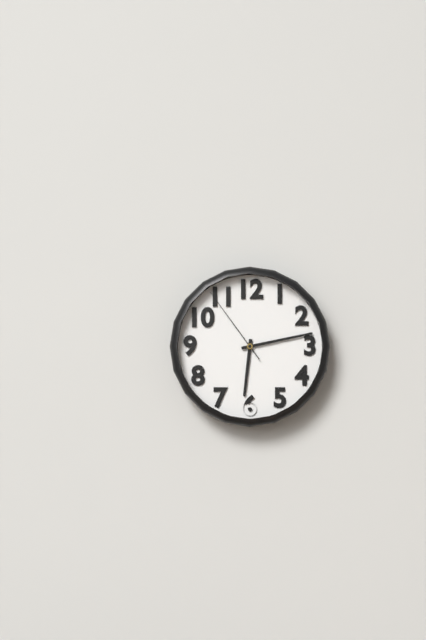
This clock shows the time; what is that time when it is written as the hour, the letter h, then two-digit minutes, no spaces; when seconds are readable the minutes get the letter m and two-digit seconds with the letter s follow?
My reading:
6h13m54s
